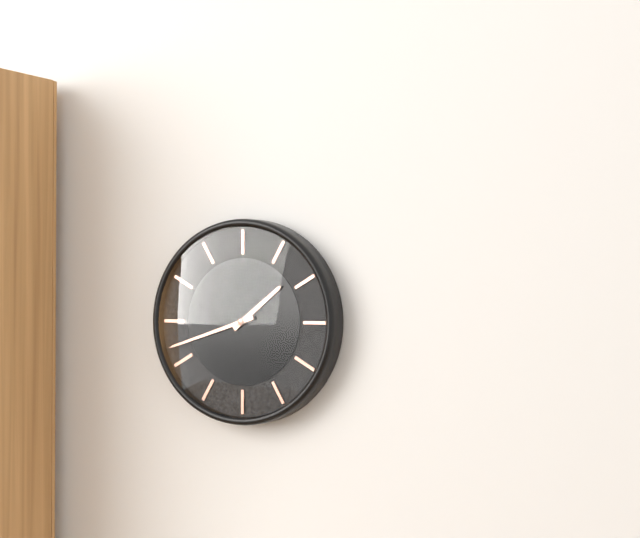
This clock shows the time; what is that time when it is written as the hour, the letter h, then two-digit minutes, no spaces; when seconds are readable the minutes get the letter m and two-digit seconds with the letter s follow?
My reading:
1h42
